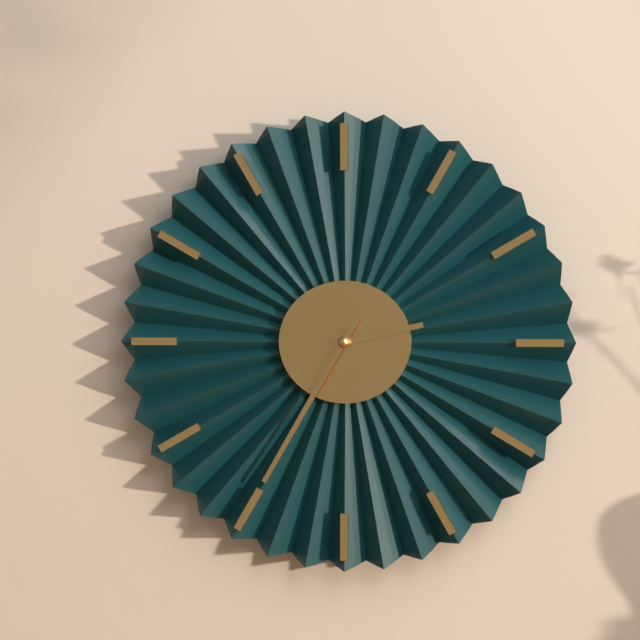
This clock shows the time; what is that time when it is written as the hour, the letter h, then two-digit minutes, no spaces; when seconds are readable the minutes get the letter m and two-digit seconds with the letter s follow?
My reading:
2h35
